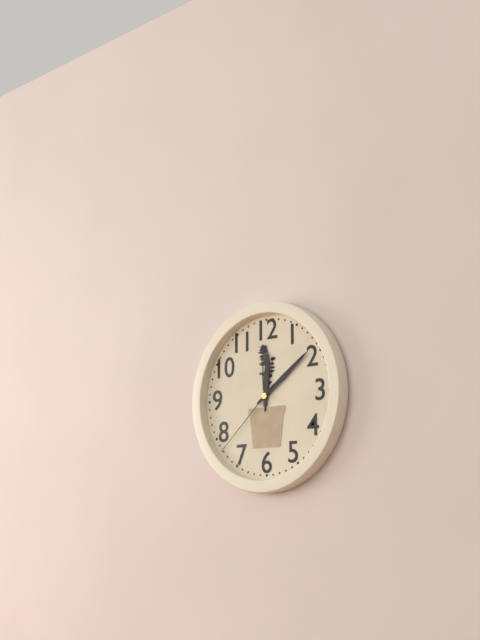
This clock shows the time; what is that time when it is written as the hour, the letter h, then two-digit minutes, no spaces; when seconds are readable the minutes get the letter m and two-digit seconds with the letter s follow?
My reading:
12h09m38s
